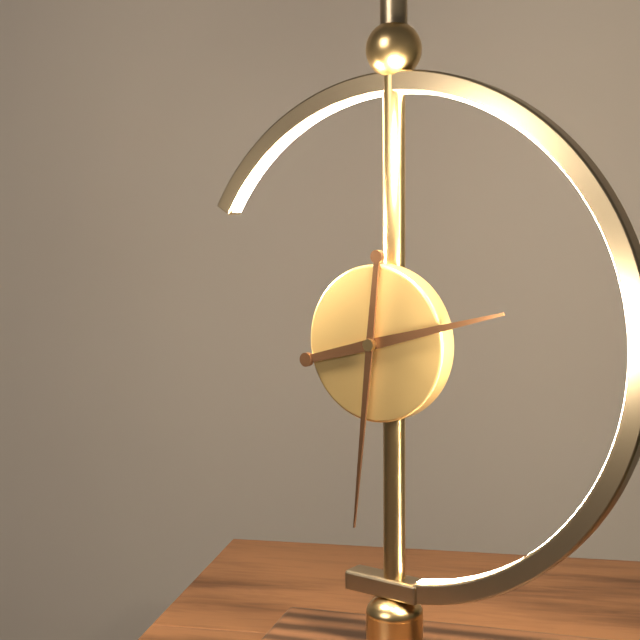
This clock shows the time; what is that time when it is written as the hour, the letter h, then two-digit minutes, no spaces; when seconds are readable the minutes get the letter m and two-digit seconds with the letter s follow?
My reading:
2h31
